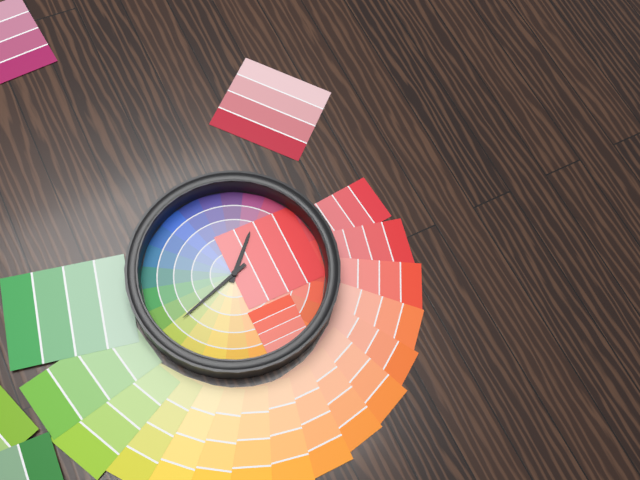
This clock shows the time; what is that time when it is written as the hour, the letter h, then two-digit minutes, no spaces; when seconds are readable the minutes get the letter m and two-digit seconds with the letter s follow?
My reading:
10h27
